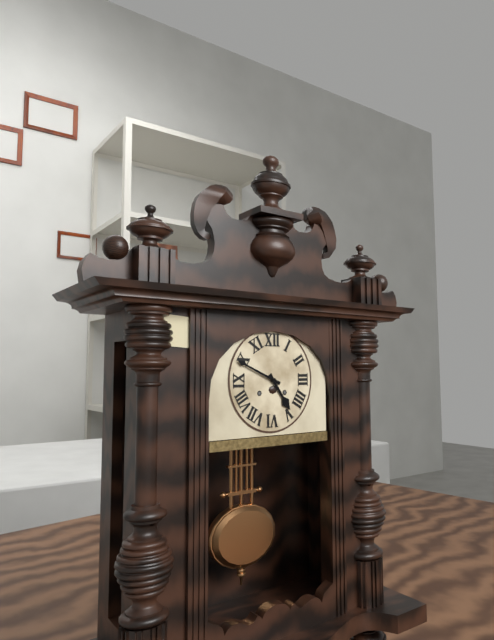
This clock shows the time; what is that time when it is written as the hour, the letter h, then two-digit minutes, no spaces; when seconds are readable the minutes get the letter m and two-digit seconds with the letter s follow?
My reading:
4h49
